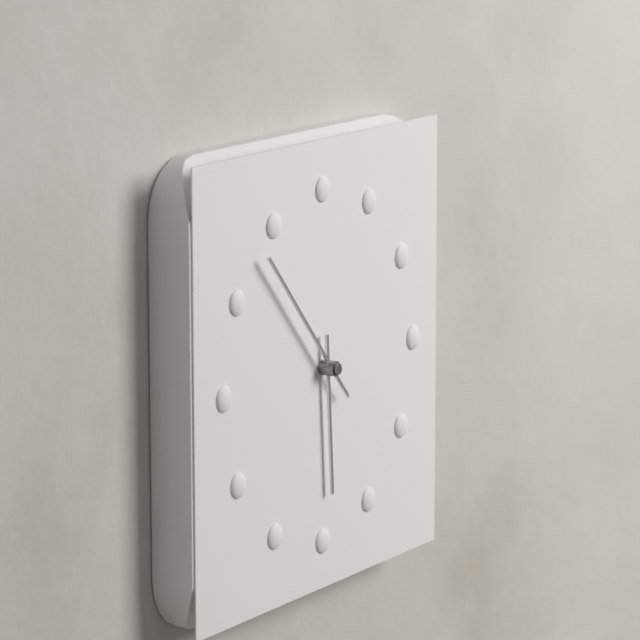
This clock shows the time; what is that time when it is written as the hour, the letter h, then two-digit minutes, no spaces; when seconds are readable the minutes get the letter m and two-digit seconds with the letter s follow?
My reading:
5h53
